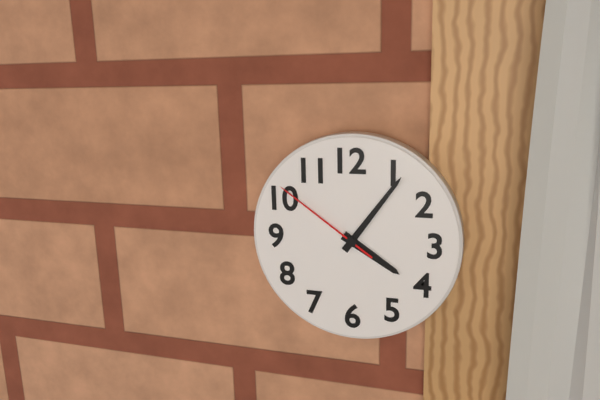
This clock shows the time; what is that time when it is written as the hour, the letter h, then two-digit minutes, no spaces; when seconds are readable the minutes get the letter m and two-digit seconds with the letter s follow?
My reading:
4h06m51s
